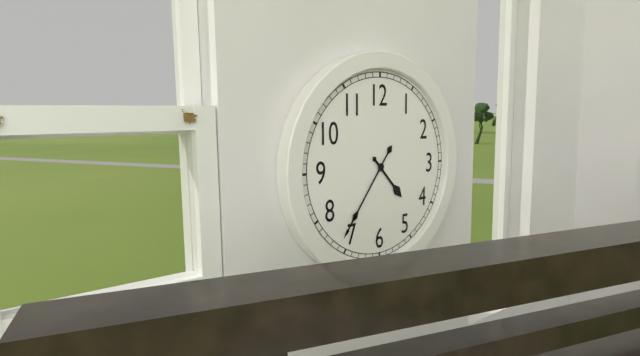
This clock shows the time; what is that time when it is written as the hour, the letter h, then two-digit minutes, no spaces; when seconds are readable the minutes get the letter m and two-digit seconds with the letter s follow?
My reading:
4h36
